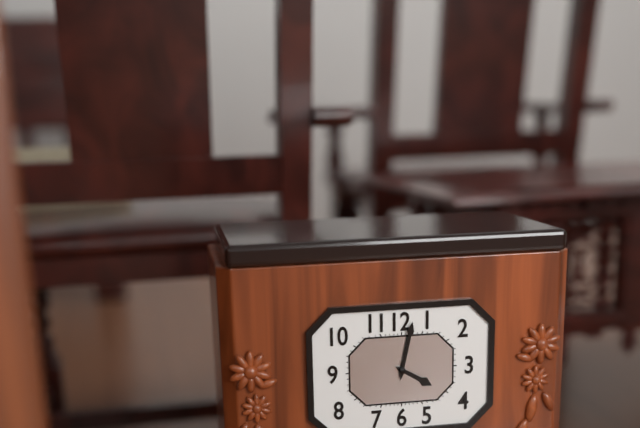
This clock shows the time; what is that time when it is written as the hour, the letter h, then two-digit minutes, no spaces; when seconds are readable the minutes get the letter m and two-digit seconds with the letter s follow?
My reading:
4h02
